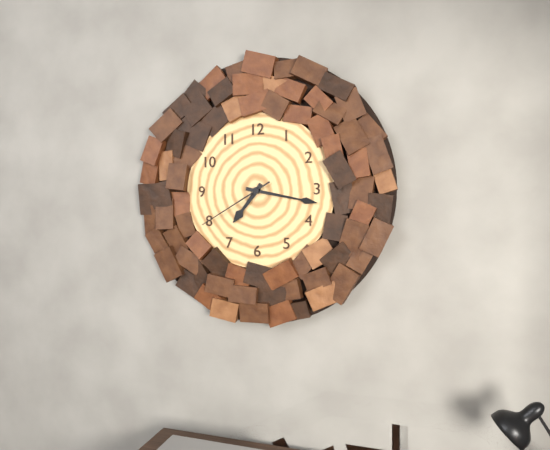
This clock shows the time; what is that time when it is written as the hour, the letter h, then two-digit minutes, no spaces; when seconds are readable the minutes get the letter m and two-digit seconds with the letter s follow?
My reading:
7h17m40s
